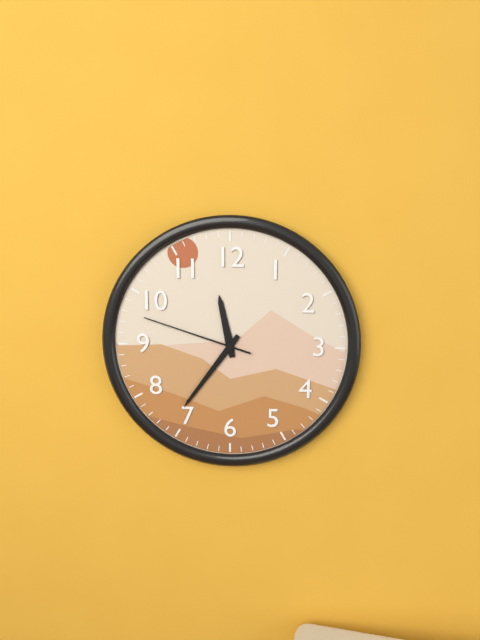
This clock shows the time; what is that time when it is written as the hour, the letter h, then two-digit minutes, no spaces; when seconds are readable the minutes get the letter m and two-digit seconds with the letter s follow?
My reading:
11h36m48s
